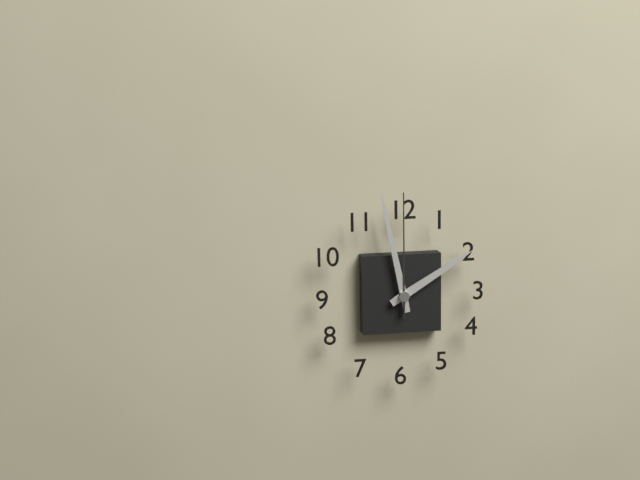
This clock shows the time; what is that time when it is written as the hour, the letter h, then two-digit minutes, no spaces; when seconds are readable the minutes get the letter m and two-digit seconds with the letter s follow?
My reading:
1h58m00s
